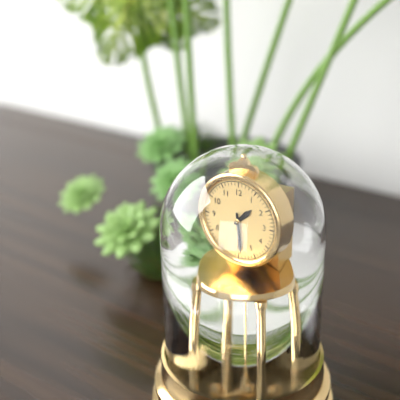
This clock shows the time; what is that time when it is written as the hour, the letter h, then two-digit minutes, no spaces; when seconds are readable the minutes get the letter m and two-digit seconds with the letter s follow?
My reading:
1h29
